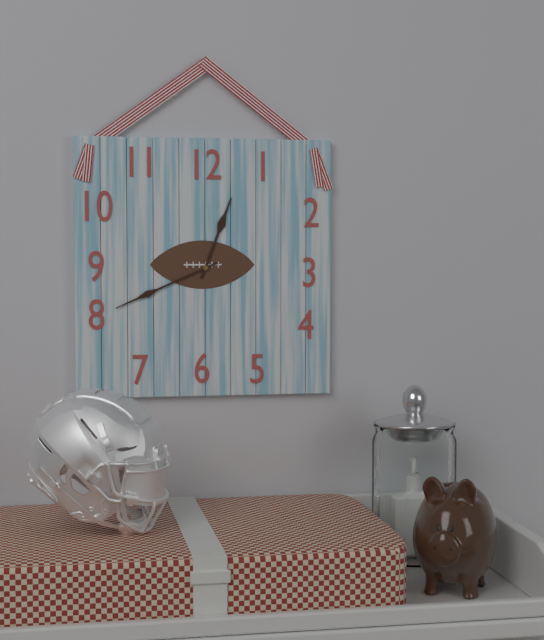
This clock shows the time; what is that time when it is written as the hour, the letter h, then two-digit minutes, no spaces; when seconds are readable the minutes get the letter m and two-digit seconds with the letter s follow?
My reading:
12h41
